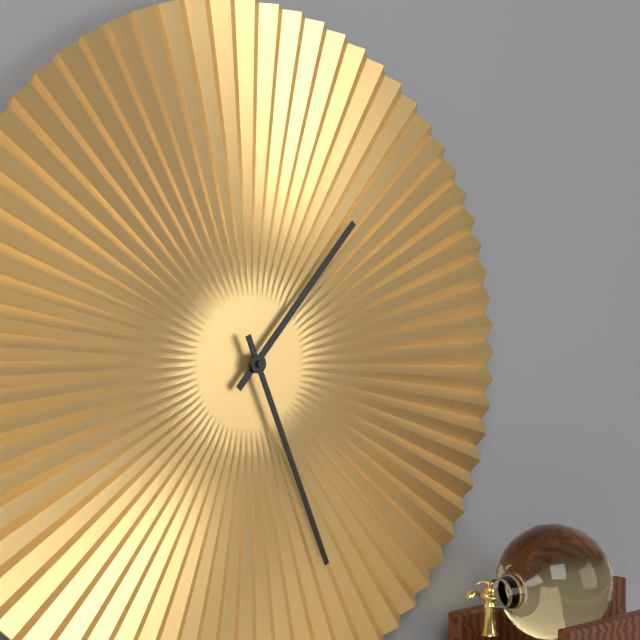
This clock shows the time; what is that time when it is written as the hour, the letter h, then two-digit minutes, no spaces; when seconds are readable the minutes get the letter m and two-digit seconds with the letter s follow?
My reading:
1h26
